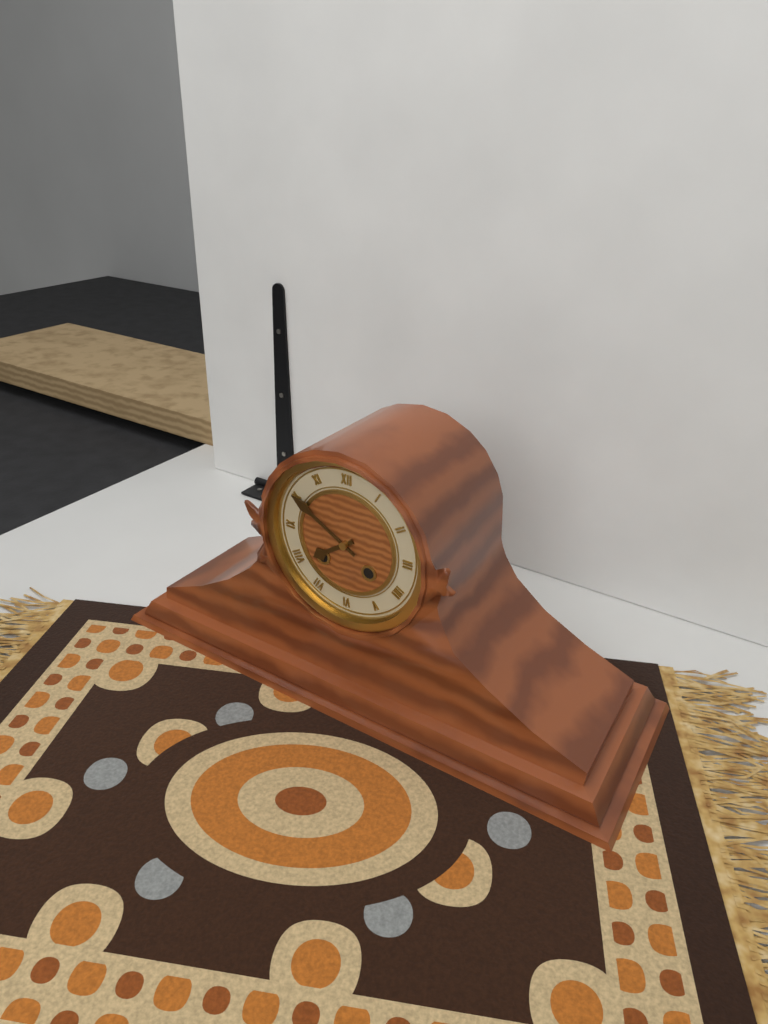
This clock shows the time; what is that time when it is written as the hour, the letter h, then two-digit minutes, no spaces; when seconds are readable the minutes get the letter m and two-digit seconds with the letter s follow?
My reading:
7h50
